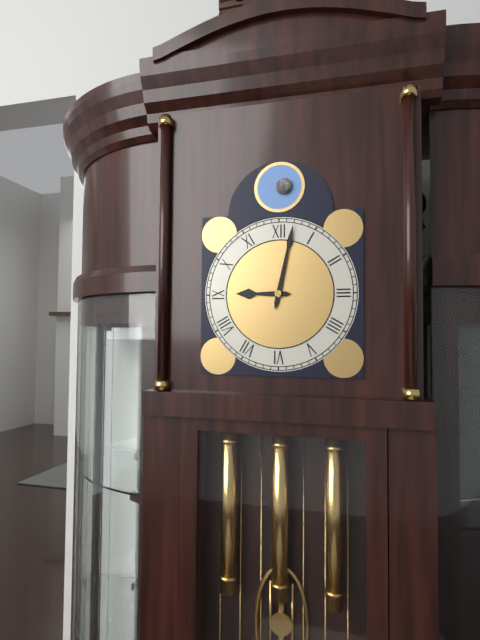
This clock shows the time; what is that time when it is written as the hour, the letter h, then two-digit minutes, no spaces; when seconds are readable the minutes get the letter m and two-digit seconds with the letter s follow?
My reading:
9h02
